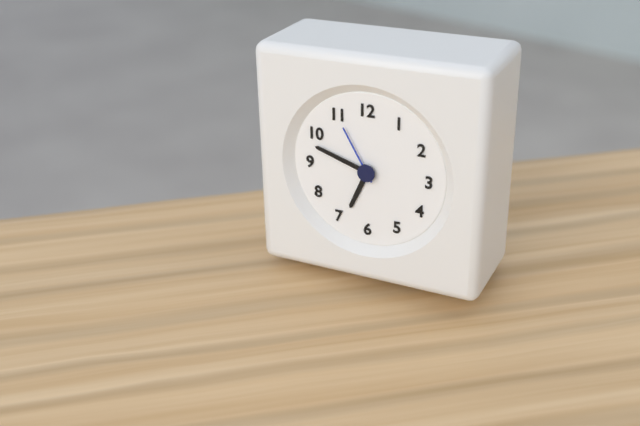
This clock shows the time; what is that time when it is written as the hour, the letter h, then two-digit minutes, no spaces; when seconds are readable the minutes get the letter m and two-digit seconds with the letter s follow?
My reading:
6h48m55s
